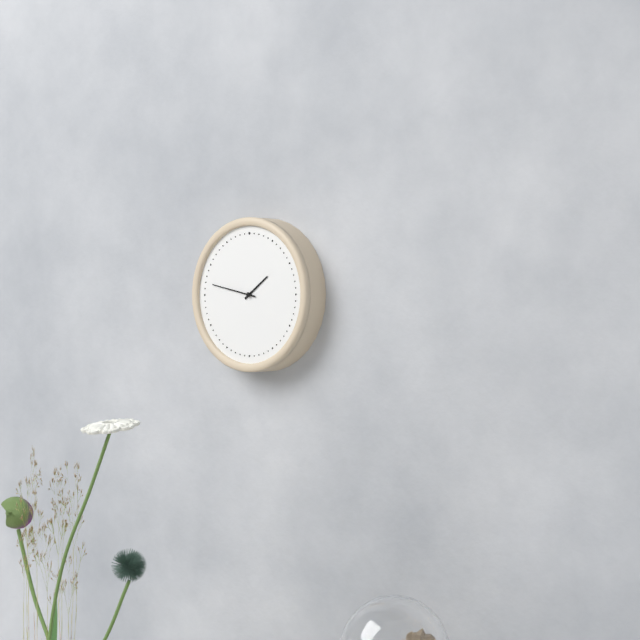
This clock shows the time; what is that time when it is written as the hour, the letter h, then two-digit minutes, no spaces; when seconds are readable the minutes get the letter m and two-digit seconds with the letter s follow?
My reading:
1h47
